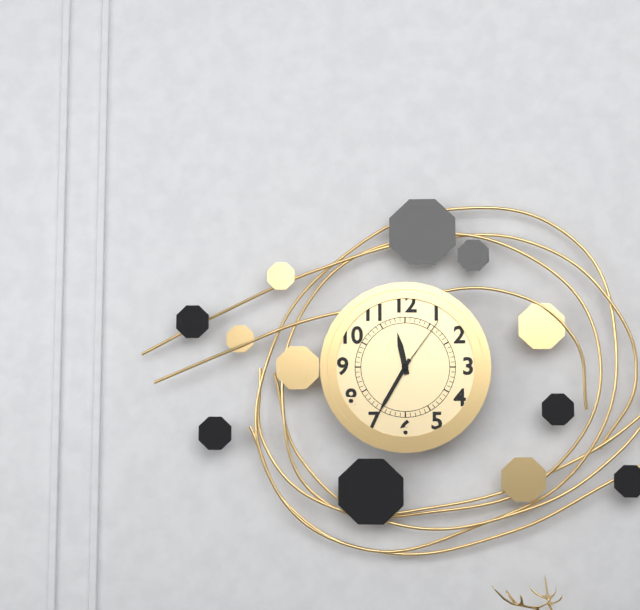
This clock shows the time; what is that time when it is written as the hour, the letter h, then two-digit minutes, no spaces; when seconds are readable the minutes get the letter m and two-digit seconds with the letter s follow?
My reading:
11h35m06s
